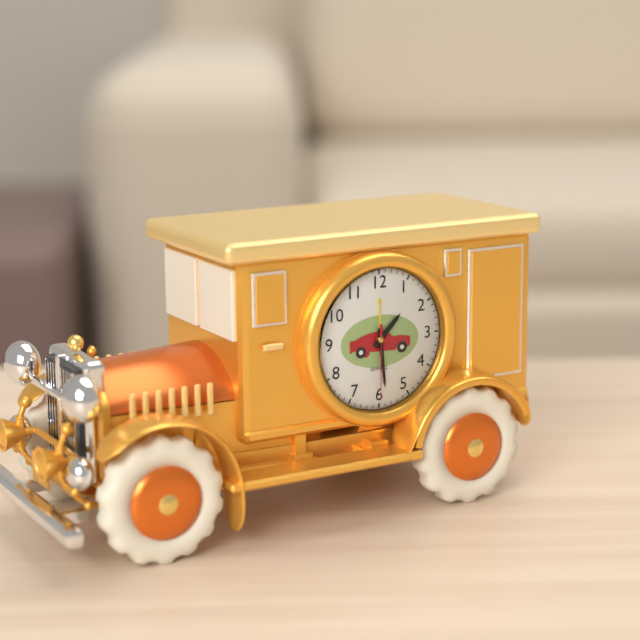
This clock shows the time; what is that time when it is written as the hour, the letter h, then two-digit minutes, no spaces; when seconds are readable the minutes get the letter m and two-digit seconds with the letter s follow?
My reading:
1h29m30s
